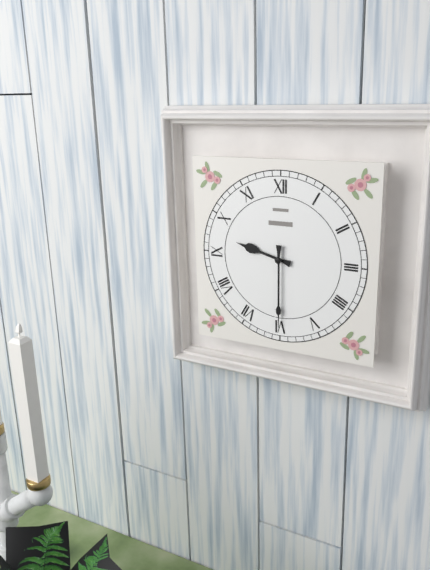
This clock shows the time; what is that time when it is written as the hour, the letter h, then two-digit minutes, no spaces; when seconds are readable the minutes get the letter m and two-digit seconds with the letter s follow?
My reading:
9h30
